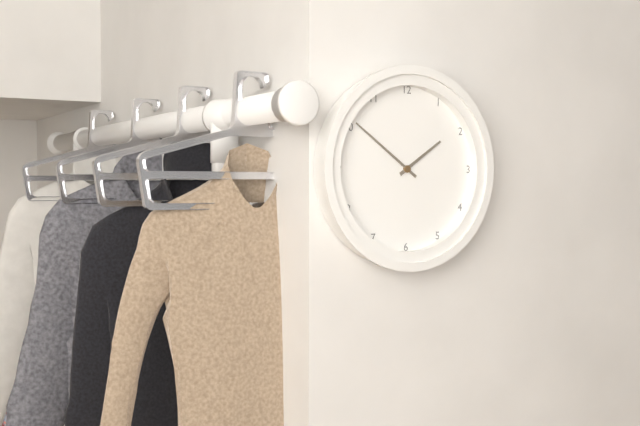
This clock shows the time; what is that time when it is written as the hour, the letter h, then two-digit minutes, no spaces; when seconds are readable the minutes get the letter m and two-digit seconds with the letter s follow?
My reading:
1h51
